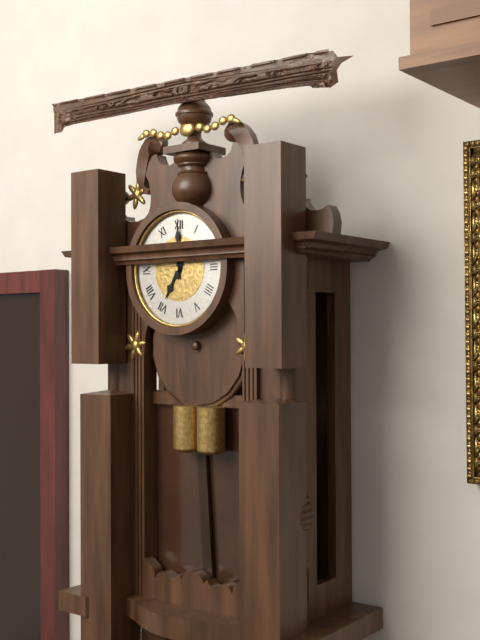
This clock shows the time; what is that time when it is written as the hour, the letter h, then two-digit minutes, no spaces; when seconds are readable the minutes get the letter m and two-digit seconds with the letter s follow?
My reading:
7h00
